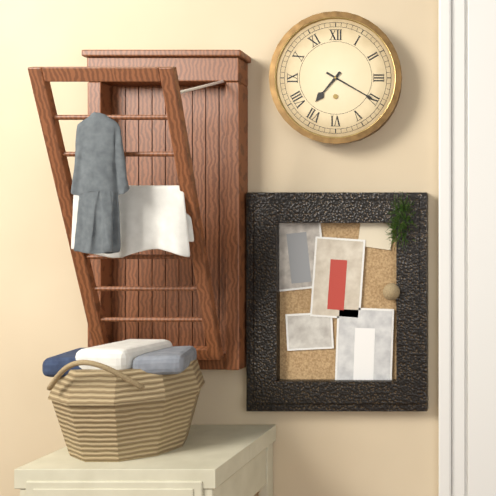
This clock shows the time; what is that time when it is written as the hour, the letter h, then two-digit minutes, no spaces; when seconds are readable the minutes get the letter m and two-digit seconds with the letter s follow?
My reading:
7h20
